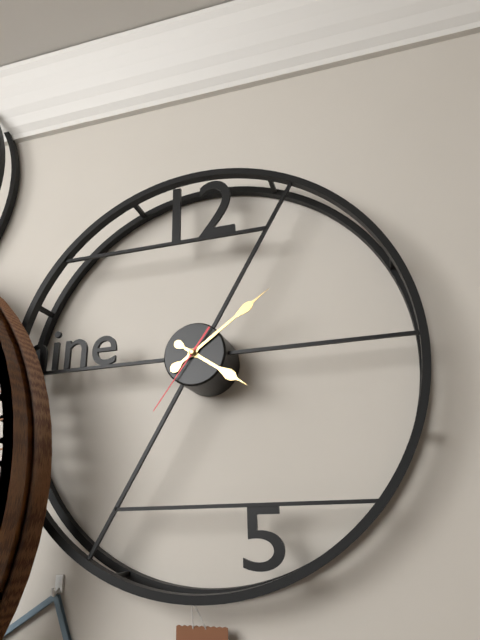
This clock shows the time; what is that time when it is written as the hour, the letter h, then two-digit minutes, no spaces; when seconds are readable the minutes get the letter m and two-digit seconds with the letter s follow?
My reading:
4h09m36s
